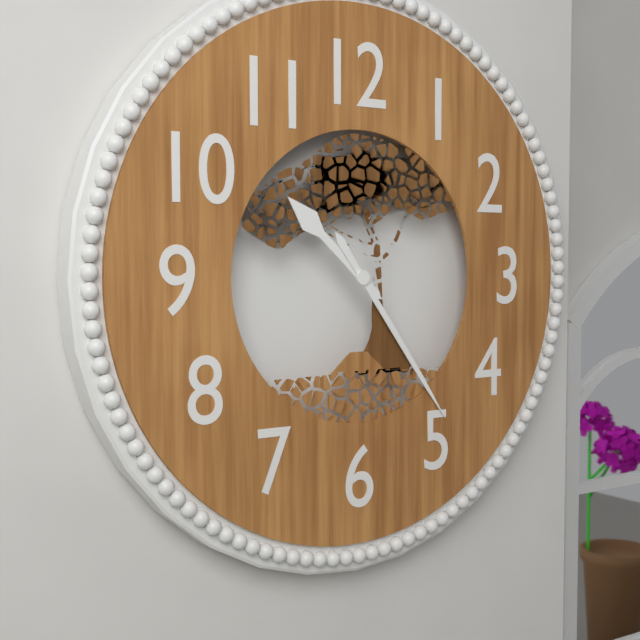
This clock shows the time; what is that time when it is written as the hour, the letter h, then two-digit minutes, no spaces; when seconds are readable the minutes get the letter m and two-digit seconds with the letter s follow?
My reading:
10h24
